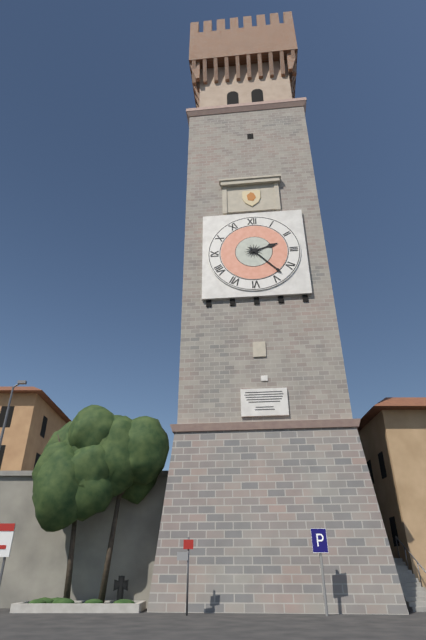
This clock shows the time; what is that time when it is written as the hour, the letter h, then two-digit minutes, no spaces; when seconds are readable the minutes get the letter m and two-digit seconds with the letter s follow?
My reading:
2h23
